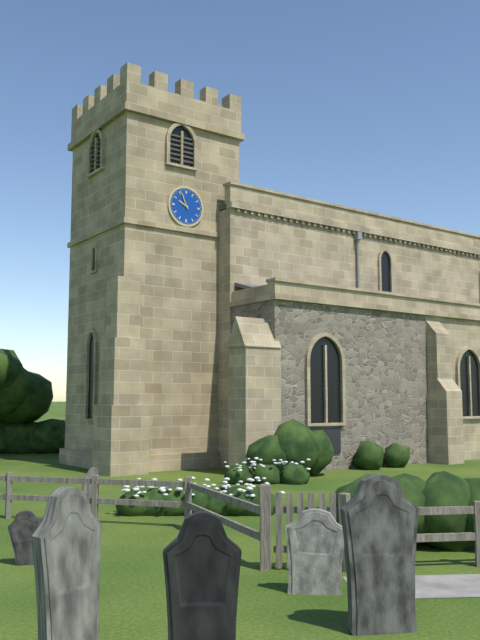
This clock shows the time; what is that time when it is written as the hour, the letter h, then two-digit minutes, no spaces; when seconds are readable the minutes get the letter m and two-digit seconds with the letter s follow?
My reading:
9h56
